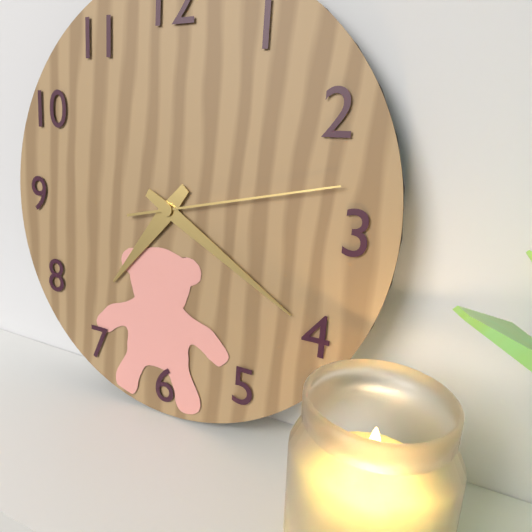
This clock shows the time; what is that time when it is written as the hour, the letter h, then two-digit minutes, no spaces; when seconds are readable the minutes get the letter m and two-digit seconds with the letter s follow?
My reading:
7h20m13s
